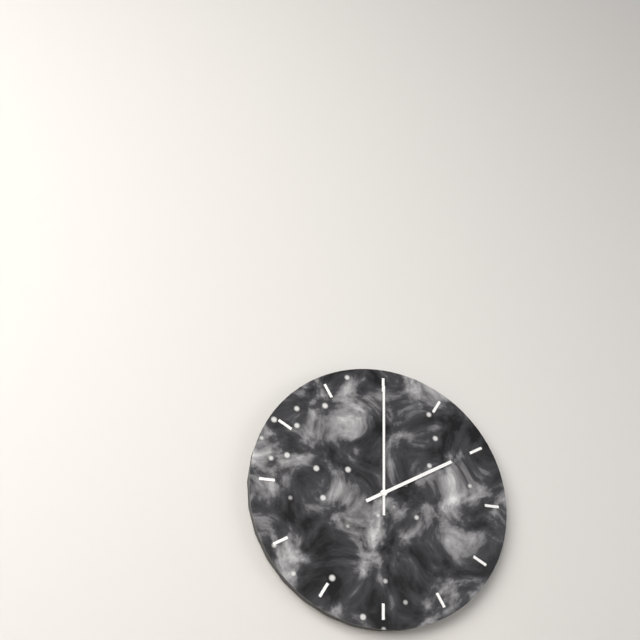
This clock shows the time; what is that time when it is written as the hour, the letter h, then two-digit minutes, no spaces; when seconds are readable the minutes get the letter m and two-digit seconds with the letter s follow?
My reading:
2h00
